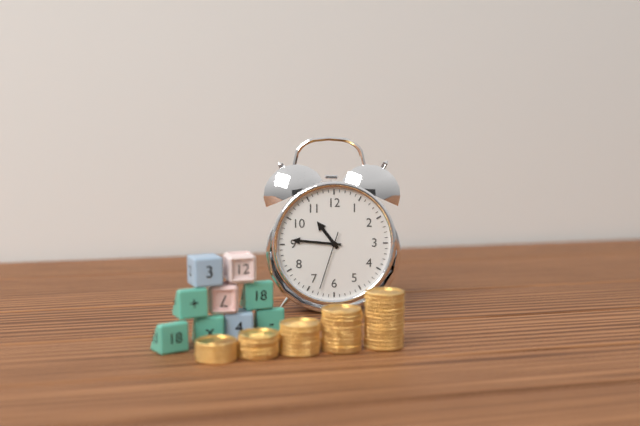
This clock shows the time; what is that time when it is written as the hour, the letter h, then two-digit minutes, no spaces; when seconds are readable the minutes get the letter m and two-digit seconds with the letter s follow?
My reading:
10h46m33s
